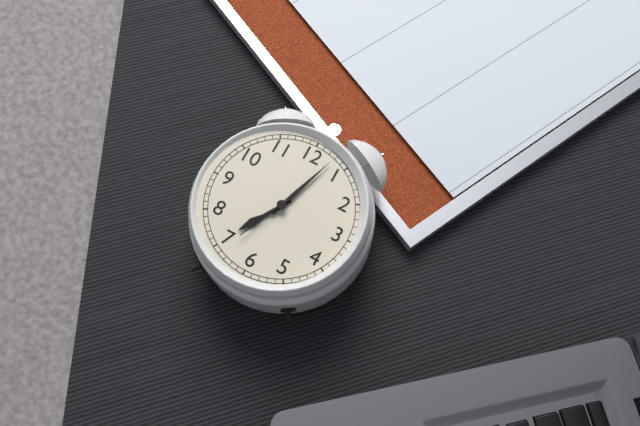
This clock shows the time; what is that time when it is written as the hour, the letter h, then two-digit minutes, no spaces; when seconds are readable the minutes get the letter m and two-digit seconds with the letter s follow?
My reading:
7h03m34s
